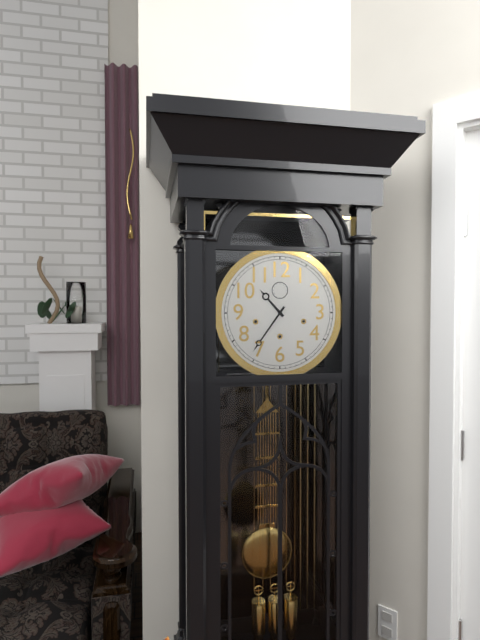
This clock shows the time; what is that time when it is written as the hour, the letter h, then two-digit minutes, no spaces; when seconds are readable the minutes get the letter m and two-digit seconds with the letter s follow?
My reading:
10h36
